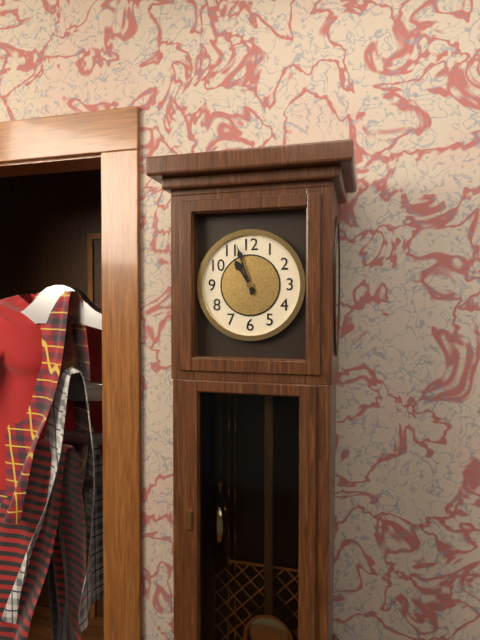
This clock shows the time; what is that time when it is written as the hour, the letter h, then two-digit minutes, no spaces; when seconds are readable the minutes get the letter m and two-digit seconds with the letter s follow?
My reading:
10h57
